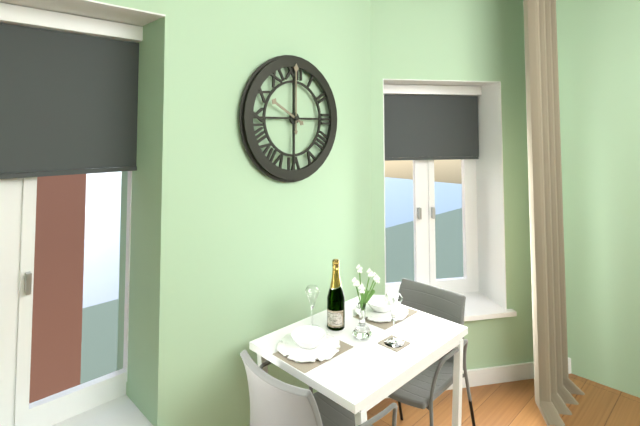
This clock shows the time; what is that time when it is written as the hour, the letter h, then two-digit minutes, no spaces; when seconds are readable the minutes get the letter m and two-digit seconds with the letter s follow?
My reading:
10h00
